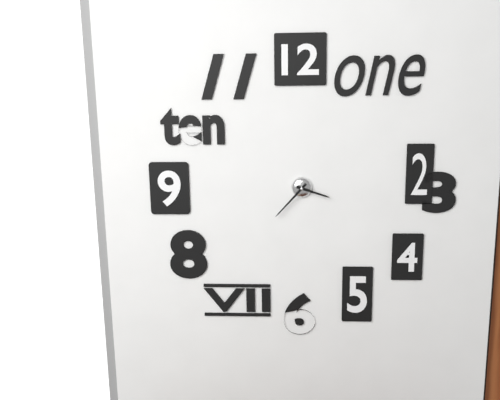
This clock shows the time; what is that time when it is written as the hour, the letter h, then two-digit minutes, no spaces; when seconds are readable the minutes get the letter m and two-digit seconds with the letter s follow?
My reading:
3h37
